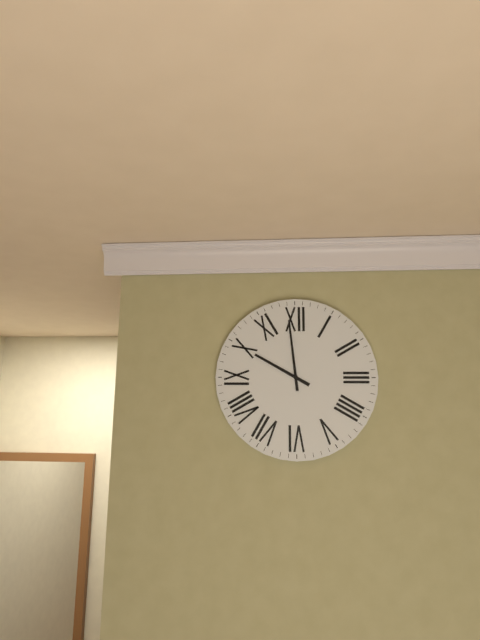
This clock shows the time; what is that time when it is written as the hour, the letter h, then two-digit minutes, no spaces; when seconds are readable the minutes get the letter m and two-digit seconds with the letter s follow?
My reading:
9h59
